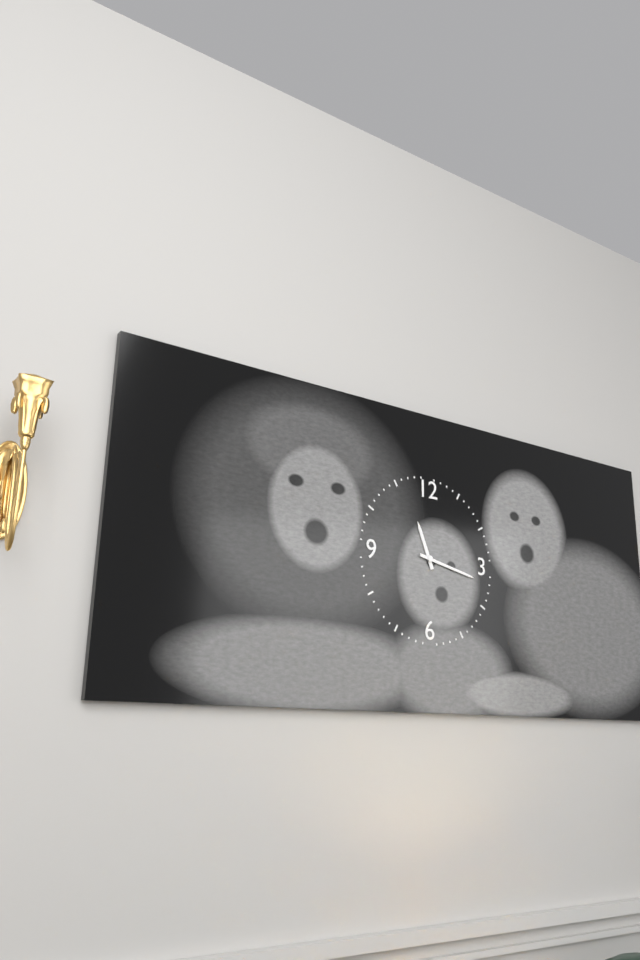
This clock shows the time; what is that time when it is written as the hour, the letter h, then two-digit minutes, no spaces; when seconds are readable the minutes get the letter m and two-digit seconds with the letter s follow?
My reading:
11h17
